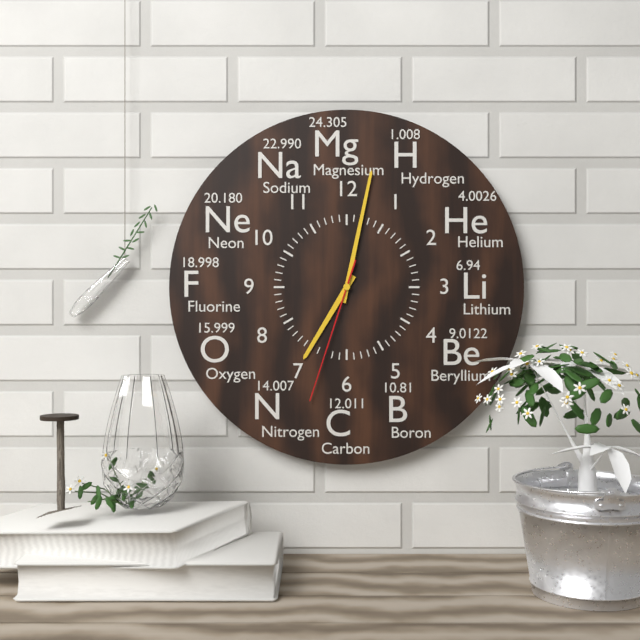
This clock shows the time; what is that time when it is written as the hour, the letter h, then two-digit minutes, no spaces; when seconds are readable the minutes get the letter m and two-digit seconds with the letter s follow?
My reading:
7h02m33s
